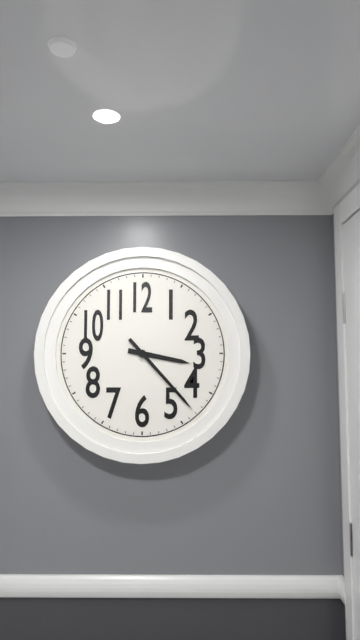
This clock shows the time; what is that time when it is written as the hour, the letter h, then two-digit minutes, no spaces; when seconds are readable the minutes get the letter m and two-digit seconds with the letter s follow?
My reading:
3h23
